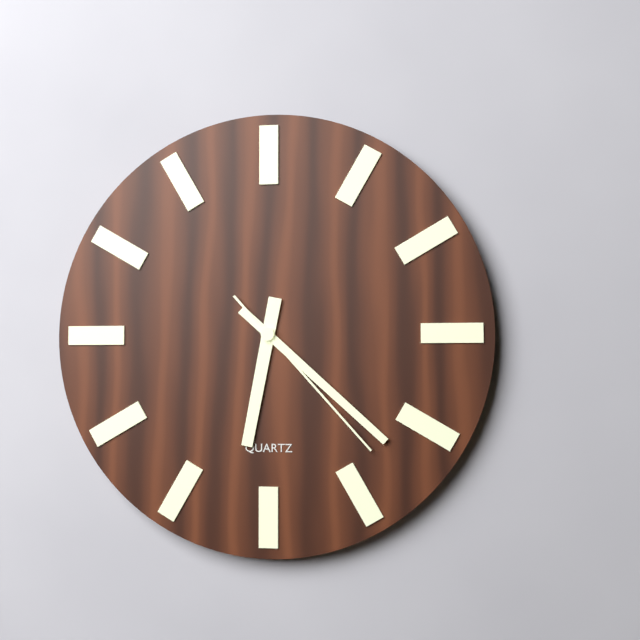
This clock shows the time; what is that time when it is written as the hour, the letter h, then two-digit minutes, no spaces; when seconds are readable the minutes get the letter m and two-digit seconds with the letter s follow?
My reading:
6h22m23s
